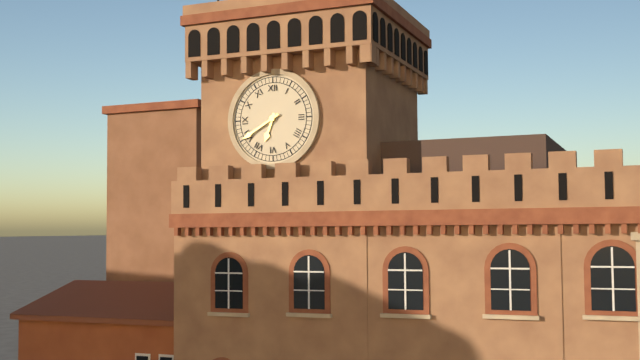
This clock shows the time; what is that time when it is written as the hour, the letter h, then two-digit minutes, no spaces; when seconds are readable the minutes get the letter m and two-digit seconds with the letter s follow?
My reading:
6h40
